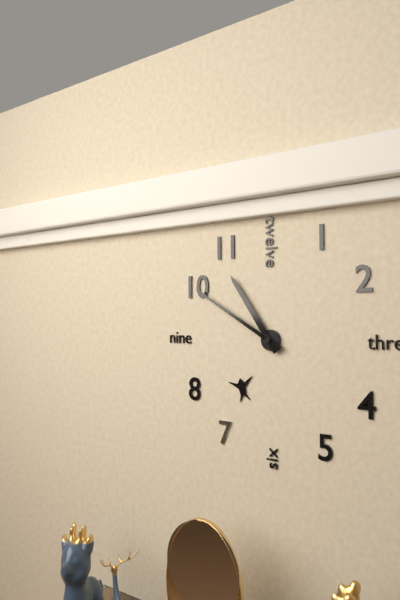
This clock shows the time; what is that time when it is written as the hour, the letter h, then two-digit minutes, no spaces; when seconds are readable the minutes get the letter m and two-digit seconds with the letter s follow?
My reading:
10h50
